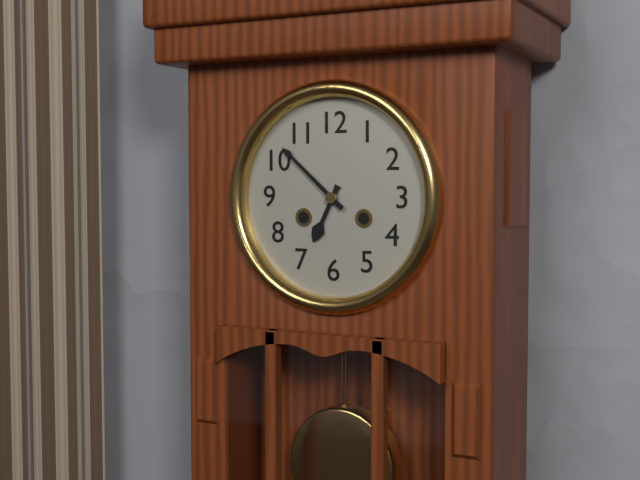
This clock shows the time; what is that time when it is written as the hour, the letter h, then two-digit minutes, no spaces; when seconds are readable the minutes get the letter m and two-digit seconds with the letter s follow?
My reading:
6h52
